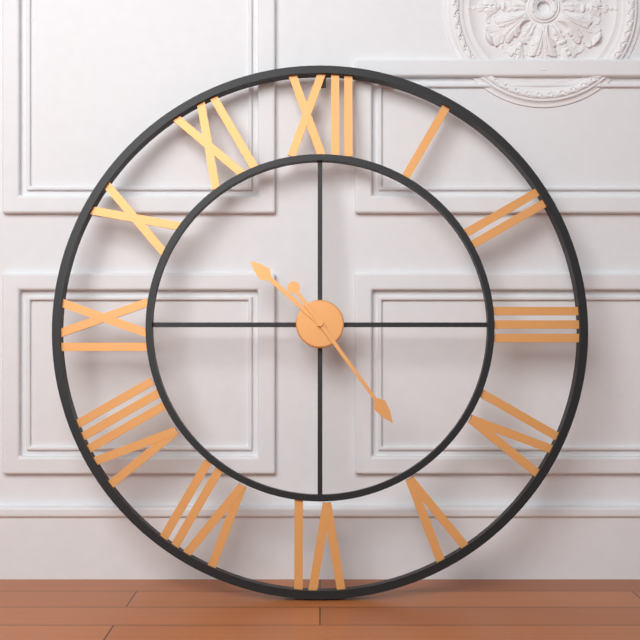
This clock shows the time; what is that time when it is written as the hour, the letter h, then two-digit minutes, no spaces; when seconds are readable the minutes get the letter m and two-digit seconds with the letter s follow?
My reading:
10h24
